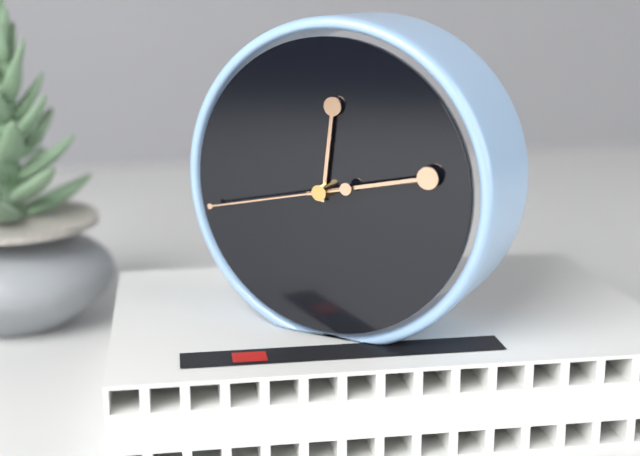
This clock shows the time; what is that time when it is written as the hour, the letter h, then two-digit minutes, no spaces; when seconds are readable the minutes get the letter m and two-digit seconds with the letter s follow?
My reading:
12h13m43s
